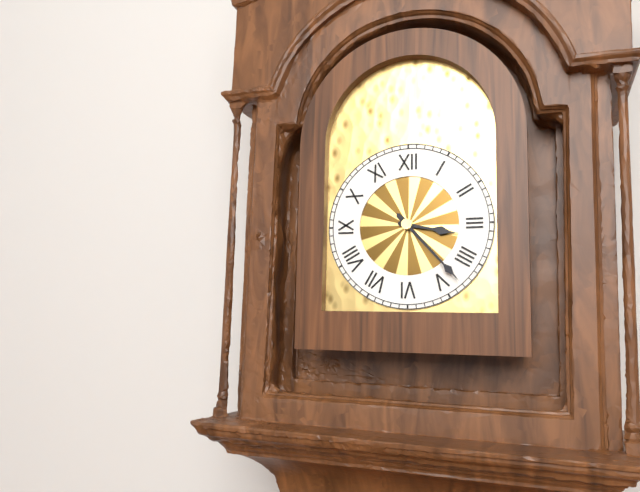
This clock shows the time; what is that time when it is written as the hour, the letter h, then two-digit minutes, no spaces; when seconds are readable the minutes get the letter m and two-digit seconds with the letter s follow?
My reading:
3h23
